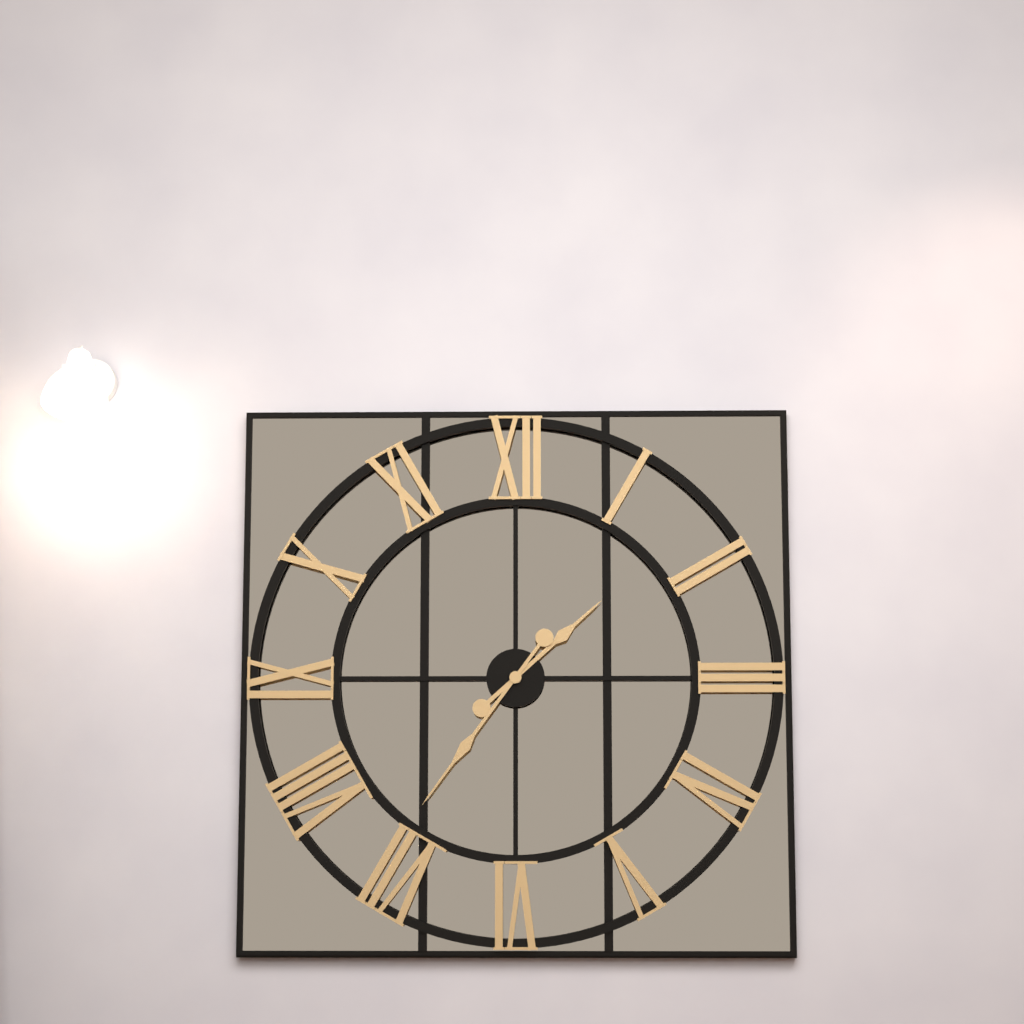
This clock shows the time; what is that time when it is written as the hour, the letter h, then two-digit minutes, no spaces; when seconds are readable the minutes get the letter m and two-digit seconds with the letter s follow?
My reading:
1h36
